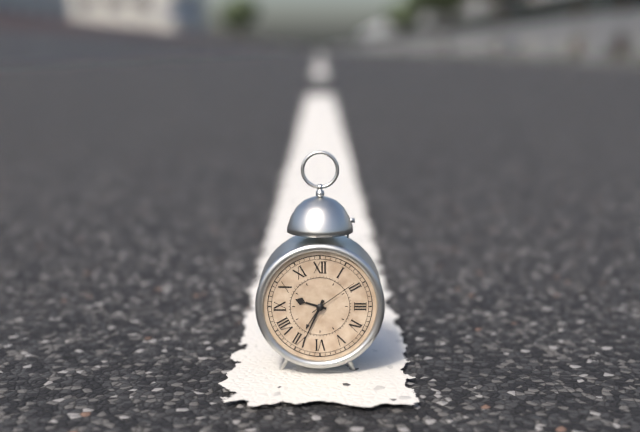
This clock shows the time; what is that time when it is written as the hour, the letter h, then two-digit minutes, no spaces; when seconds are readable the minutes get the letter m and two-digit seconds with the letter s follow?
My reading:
9h34m09s
